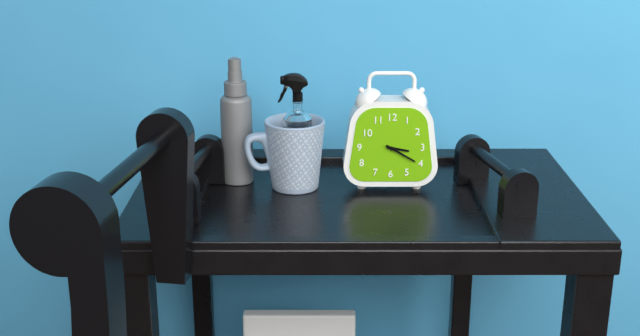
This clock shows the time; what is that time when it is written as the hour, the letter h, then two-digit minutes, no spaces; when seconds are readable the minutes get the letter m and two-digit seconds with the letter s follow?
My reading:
3h20
